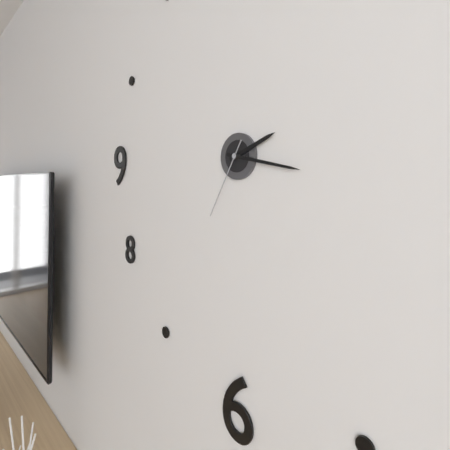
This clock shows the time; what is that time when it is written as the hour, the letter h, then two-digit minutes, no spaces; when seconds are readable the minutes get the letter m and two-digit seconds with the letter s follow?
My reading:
2h17m35s
